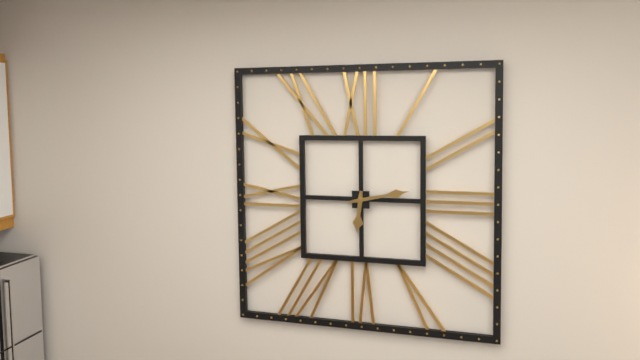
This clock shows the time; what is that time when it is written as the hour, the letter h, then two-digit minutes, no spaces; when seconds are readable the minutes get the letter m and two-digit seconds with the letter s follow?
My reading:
6h13
